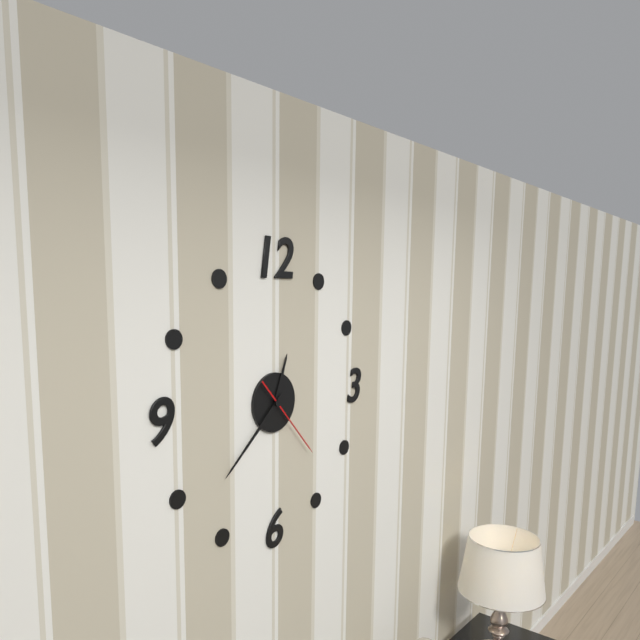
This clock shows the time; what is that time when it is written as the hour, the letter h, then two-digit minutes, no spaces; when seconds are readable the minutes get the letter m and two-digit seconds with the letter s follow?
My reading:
12h38m23s
